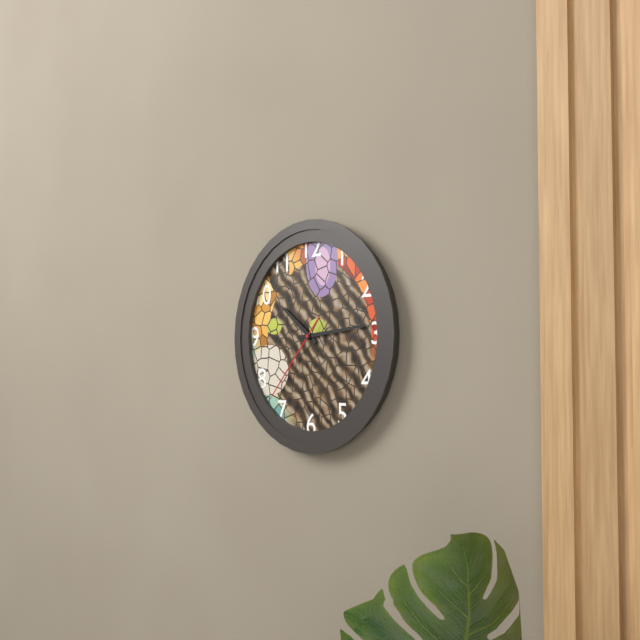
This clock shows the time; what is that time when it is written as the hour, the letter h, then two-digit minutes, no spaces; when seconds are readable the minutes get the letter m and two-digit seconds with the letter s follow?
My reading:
10h14m37s
